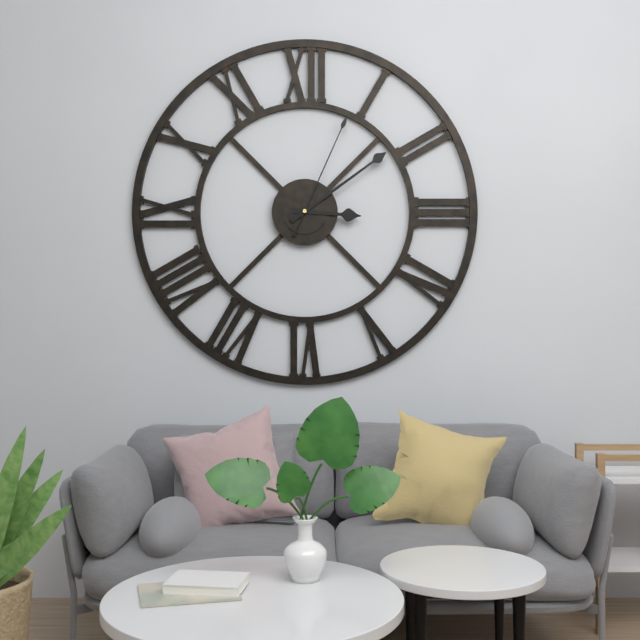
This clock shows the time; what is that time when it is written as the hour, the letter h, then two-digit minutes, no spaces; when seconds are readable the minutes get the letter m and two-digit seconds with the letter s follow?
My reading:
3h09m04s
